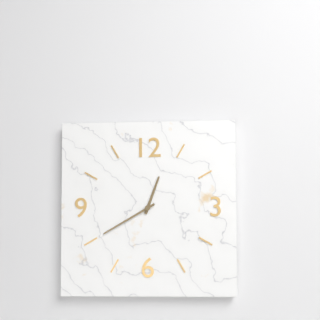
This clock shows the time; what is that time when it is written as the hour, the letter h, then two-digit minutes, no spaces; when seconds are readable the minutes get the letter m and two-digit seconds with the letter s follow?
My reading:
12h40
